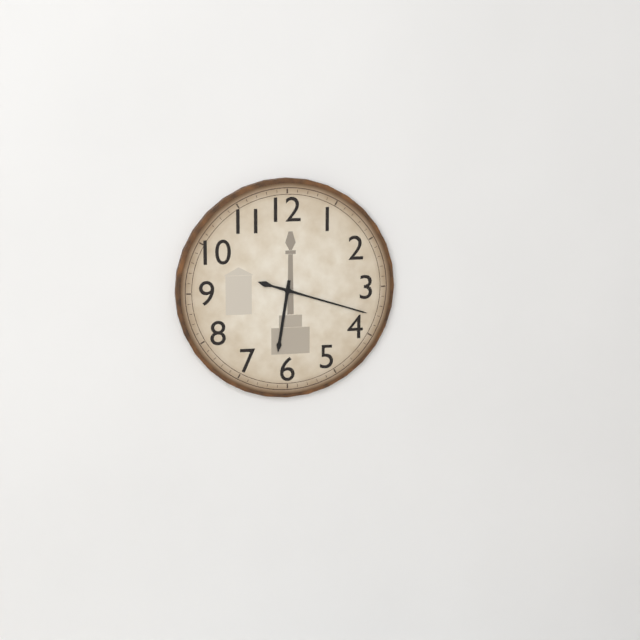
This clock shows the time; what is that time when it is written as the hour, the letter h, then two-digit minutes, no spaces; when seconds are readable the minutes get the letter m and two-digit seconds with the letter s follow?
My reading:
6h18
